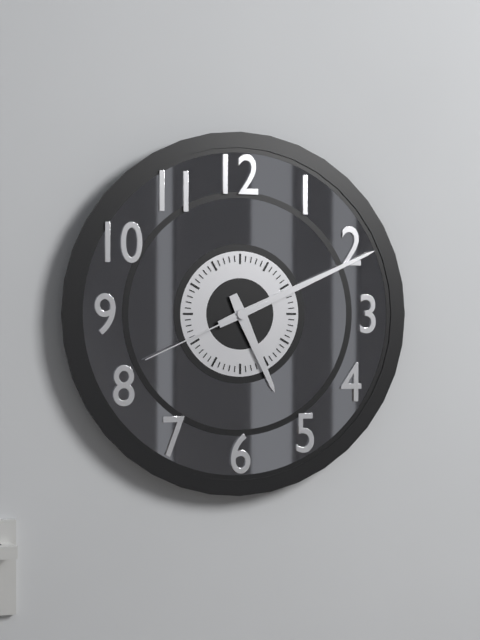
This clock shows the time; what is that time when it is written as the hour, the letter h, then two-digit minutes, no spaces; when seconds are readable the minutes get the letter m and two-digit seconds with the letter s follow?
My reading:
5h11m41s
